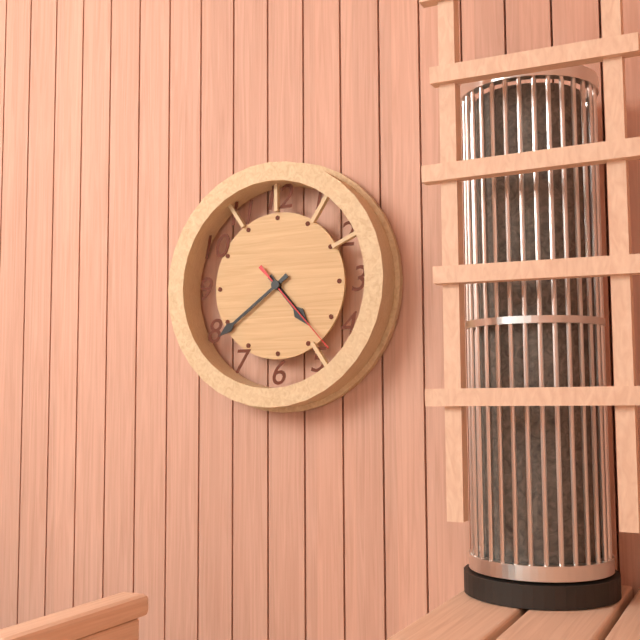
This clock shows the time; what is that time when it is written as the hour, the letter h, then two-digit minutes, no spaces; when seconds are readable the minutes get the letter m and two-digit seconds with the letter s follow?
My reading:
4h39m23s
